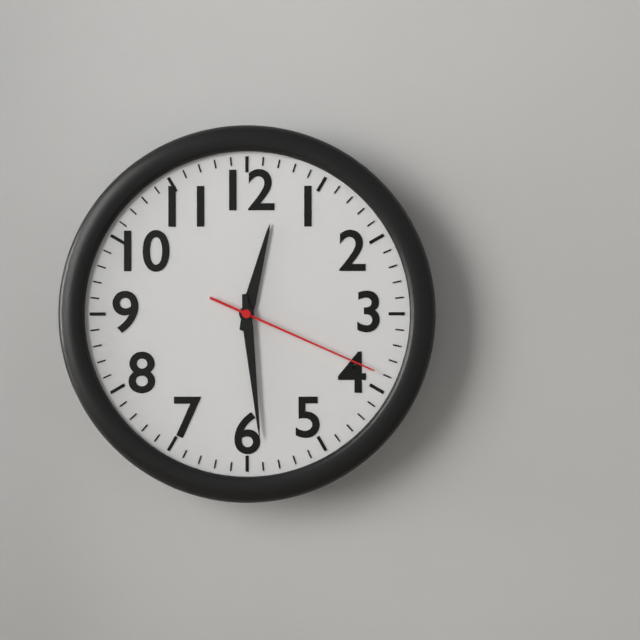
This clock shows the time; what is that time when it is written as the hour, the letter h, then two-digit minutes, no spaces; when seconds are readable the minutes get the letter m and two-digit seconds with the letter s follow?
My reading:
12h29m19s
